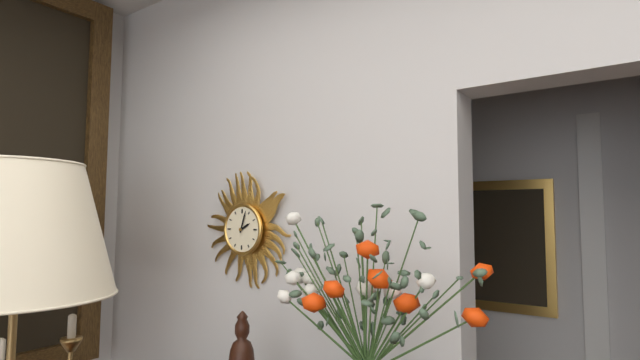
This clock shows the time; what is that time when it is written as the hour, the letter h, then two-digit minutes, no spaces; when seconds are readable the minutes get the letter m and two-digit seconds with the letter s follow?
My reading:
2h03
